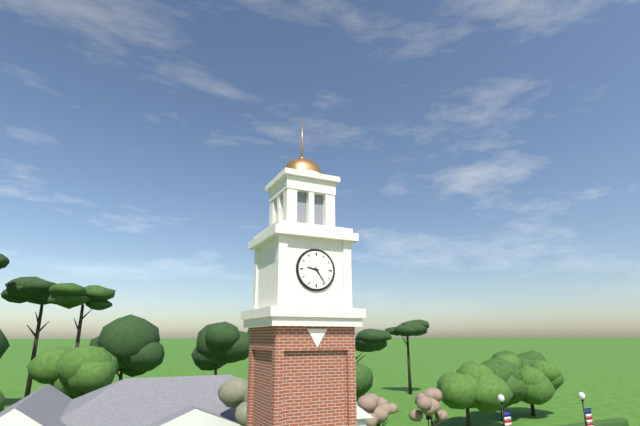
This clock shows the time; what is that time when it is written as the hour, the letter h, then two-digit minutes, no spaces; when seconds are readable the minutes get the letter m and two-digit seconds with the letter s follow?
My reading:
9h24
